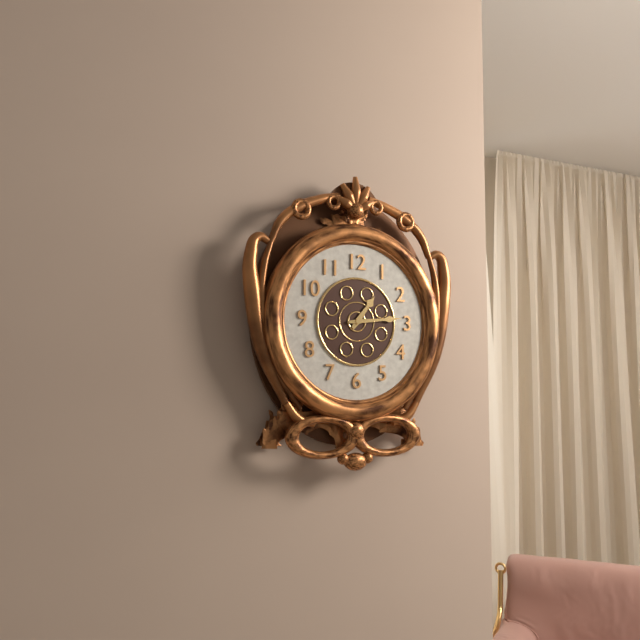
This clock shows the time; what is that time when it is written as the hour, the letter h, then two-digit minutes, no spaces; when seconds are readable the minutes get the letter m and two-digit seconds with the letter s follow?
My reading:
1h14
